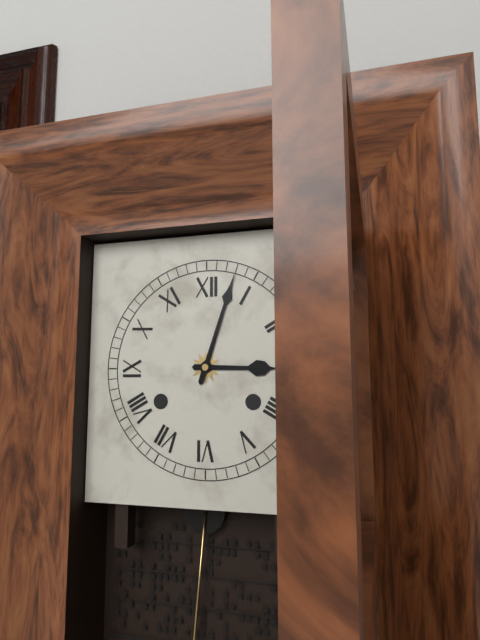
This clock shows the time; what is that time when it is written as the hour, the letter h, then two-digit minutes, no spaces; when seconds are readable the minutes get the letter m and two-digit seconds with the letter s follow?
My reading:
3h03
